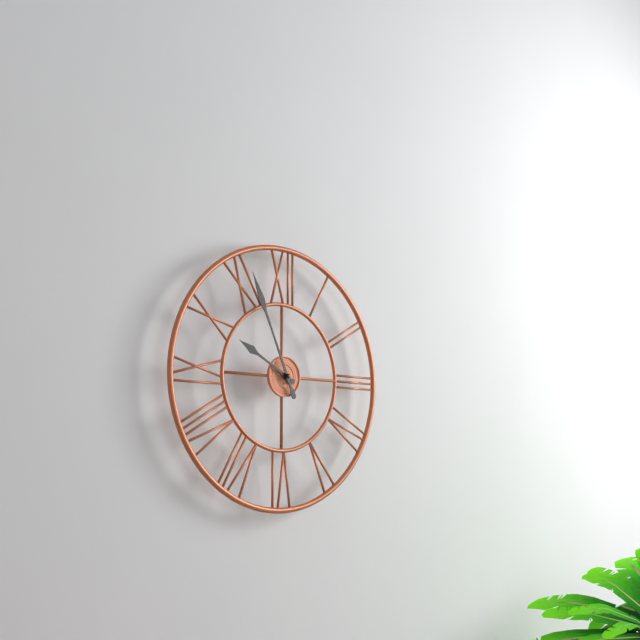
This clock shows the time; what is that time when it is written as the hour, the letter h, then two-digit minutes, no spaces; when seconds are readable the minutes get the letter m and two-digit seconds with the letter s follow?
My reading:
9h56
